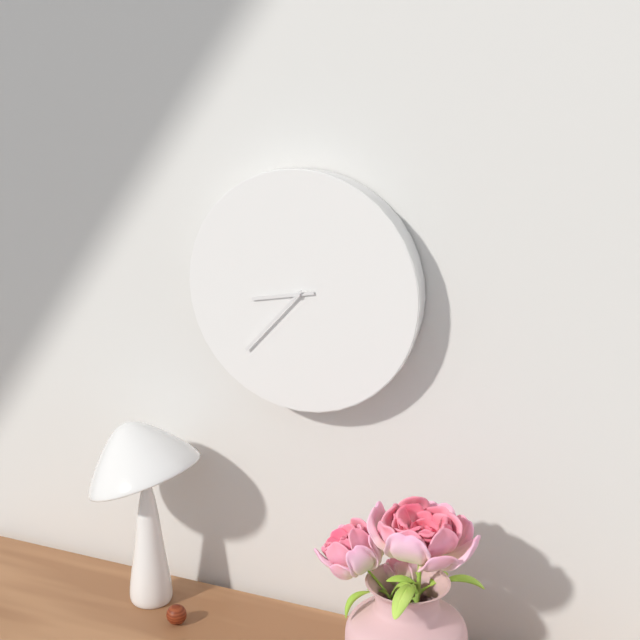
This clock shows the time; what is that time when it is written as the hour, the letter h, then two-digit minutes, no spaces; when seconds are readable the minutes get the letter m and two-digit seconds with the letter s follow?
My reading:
8h37
